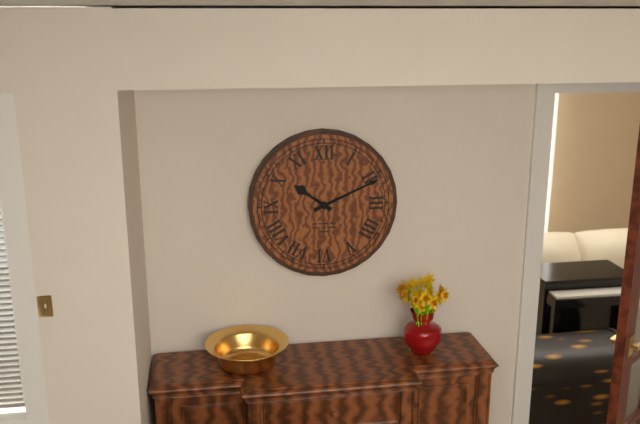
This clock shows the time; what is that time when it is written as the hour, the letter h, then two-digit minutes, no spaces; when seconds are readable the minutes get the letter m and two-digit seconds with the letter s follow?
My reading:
10h11
